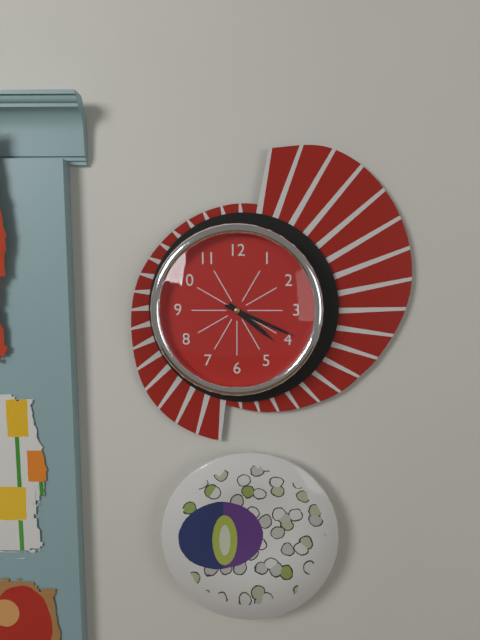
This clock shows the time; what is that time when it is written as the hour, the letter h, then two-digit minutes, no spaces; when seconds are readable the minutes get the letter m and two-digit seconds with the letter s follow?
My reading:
4h19
